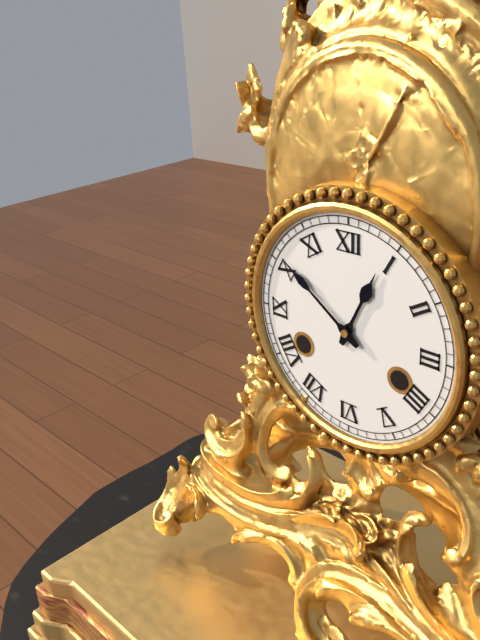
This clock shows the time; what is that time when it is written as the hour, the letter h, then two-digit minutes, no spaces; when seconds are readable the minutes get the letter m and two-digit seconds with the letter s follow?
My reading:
12h51
